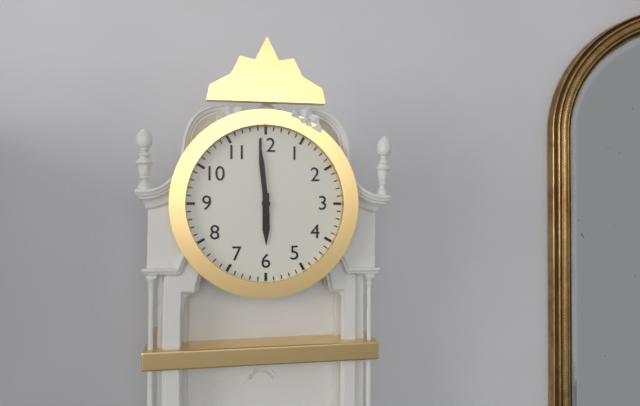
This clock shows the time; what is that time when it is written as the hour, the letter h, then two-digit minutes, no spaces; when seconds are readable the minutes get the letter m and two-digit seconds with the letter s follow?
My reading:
5h59
